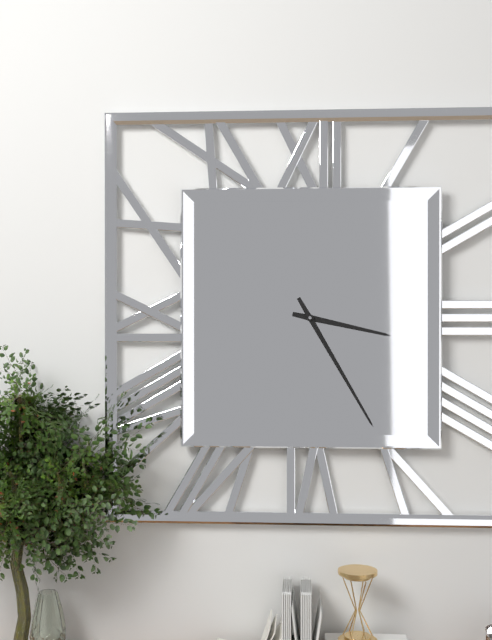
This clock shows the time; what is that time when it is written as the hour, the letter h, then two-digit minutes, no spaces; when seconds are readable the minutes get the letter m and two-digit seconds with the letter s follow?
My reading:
3h25
